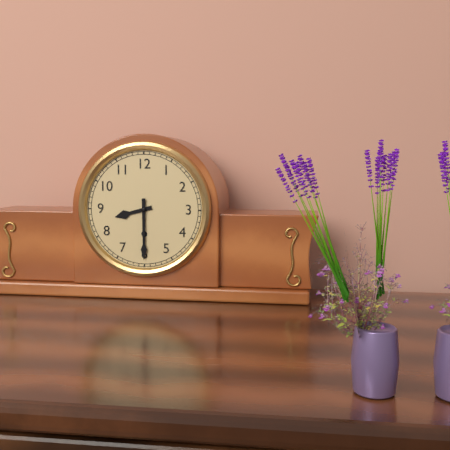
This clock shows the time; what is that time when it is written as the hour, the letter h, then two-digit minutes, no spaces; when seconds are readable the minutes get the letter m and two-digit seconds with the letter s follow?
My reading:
8h30
